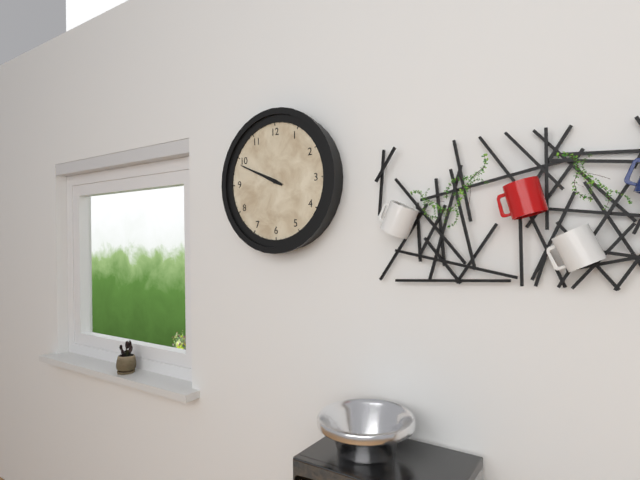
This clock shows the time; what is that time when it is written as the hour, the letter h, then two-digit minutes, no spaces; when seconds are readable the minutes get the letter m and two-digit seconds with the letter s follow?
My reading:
9h49
